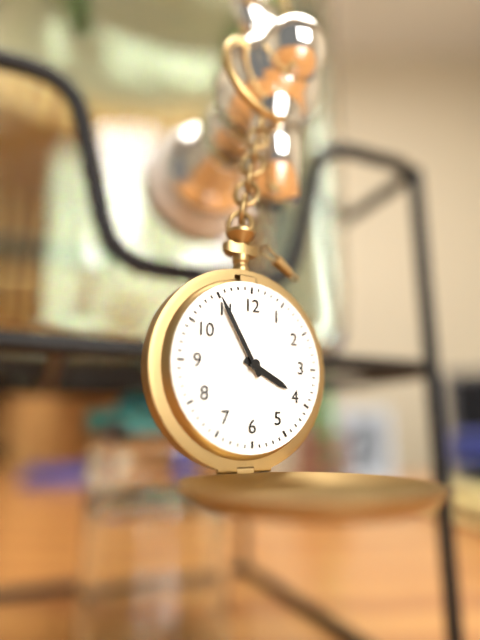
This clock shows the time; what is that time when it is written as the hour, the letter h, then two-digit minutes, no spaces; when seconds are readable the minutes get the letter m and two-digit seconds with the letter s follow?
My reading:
3h55
